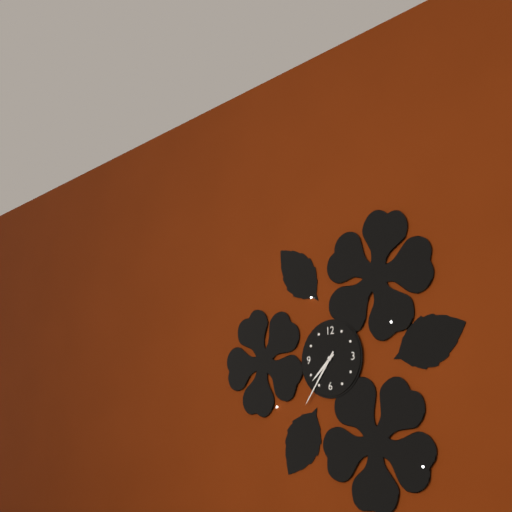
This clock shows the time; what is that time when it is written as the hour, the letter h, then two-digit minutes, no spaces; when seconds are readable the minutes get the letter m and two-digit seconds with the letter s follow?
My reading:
7h36
